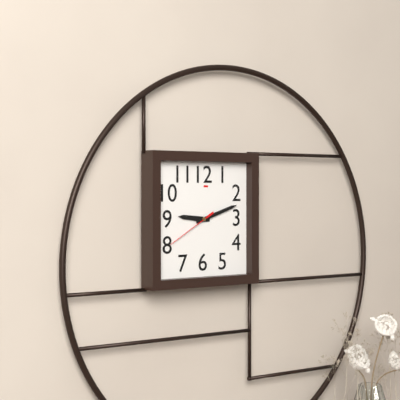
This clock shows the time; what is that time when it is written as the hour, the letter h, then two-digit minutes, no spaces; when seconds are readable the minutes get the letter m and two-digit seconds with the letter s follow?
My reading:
9h12m40s
